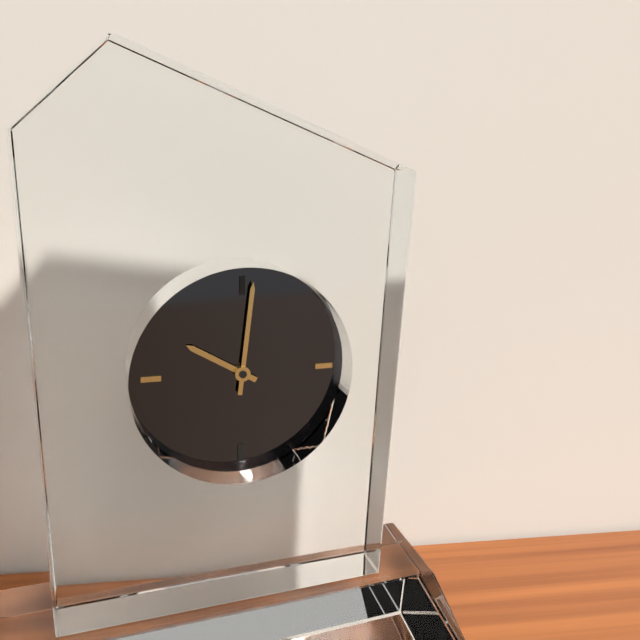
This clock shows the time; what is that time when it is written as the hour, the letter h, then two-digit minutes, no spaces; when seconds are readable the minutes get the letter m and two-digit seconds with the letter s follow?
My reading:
10h01
